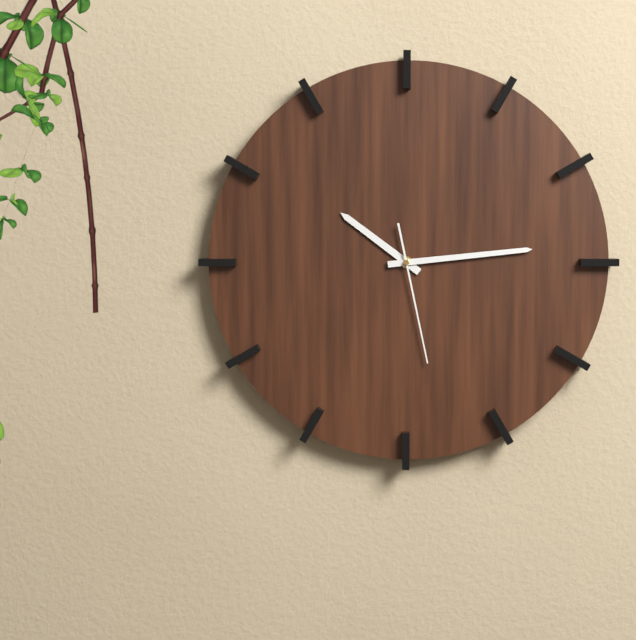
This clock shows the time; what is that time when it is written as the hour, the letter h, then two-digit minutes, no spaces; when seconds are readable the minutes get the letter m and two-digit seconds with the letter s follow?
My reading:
10h14m28s
